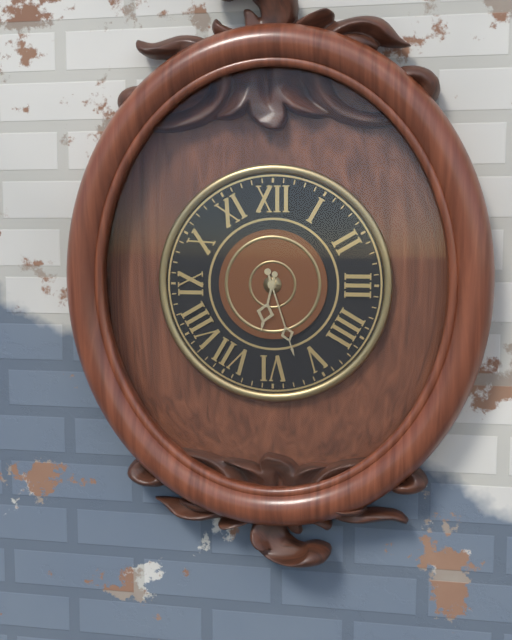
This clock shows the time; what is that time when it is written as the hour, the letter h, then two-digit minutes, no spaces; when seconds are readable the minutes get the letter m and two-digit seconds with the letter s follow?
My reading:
6h27
